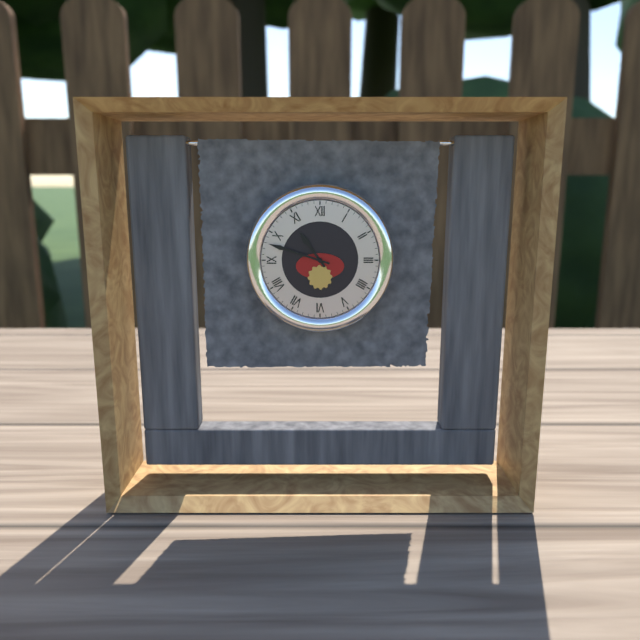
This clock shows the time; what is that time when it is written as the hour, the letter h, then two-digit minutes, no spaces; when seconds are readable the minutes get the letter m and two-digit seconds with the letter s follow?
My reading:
10h48
